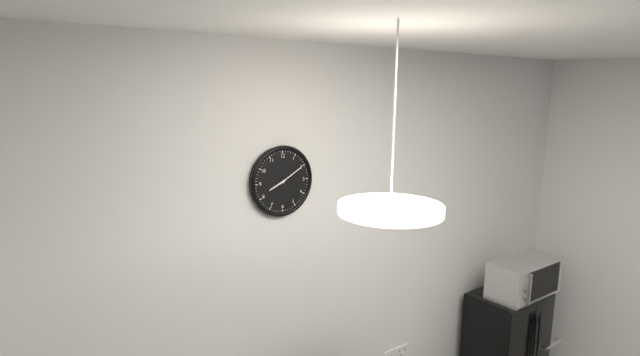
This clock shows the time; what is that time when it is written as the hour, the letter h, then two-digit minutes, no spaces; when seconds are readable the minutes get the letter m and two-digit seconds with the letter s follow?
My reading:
8h10
